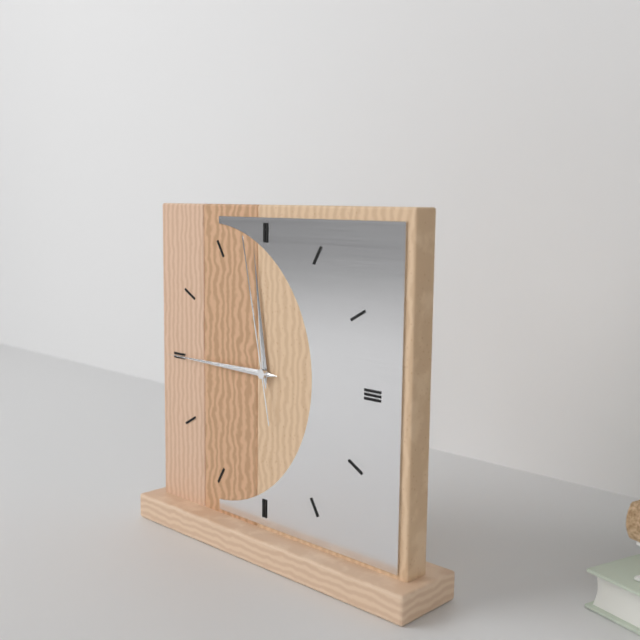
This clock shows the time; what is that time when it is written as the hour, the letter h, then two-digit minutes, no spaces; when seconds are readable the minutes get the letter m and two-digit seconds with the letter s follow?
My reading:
11h45m58s
